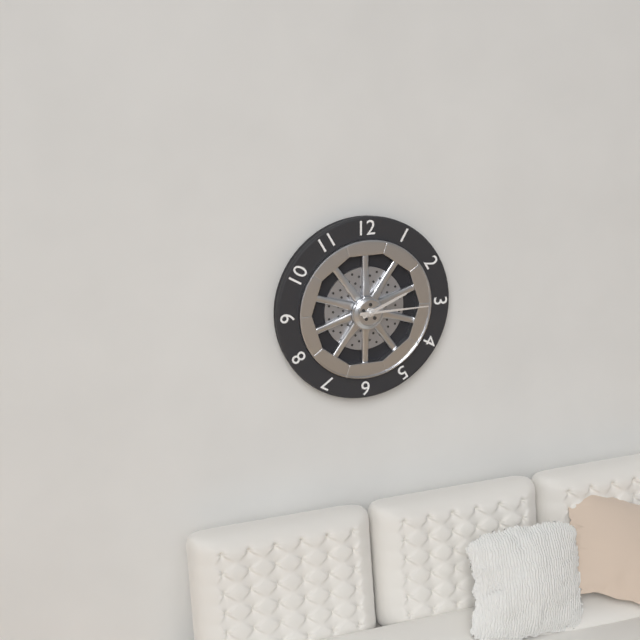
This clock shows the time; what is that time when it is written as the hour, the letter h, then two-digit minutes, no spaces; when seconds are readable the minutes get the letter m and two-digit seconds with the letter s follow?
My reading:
2h15
